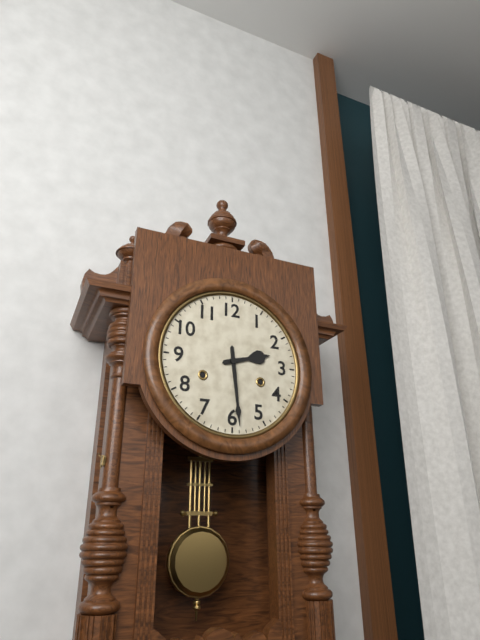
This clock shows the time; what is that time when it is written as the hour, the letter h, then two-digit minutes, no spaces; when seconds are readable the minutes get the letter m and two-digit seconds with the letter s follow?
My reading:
2h29
